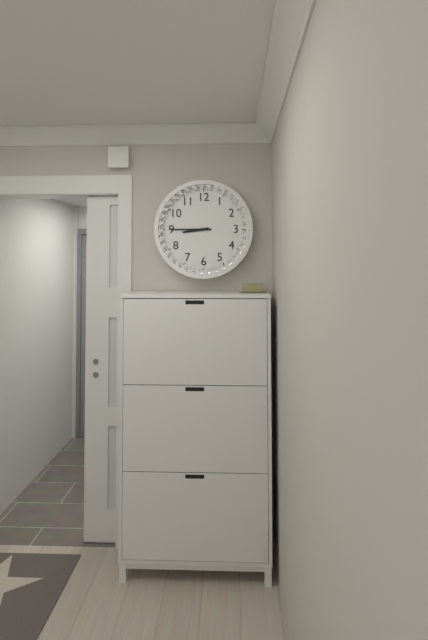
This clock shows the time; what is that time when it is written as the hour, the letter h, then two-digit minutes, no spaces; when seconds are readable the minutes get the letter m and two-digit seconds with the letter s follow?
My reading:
8h45
